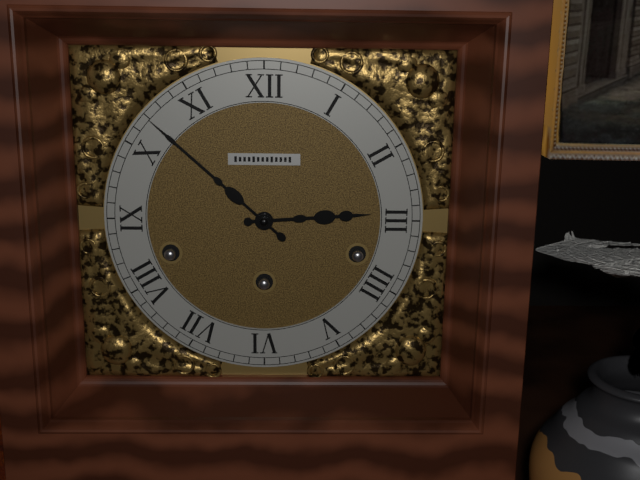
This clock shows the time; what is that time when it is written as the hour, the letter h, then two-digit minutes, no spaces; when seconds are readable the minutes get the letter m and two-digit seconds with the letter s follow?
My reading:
2h52
